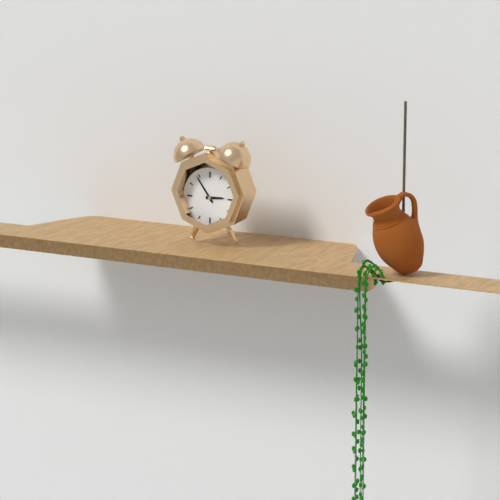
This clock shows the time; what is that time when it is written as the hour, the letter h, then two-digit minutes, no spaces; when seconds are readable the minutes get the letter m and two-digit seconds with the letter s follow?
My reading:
2h54
